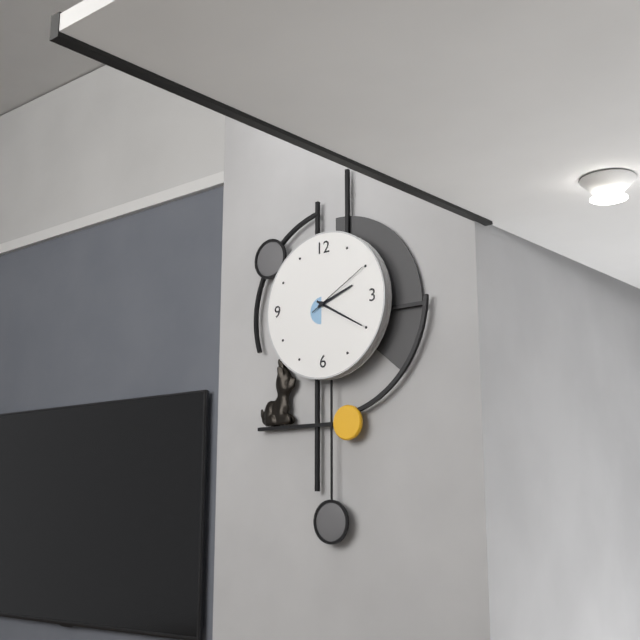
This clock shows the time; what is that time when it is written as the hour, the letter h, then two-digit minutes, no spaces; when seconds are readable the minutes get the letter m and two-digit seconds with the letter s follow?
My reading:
2h20m10s
